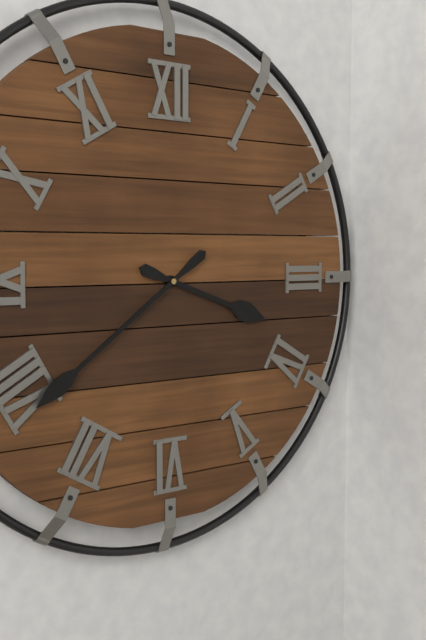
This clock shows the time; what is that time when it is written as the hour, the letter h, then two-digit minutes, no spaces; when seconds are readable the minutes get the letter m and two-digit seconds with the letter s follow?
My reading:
3h39
